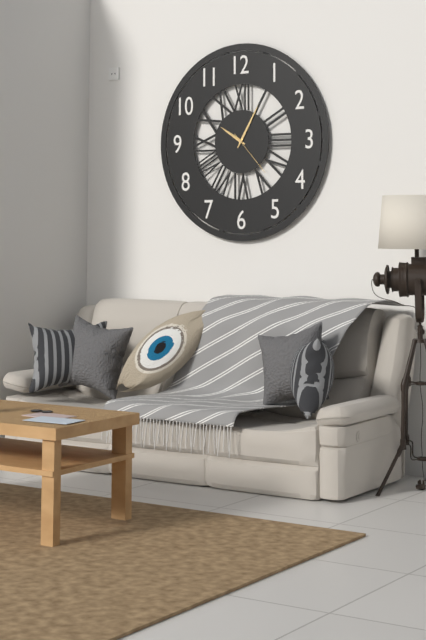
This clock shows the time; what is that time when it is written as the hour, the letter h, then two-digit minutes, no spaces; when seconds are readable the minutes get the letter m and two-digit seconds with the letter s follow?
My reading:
10h05
